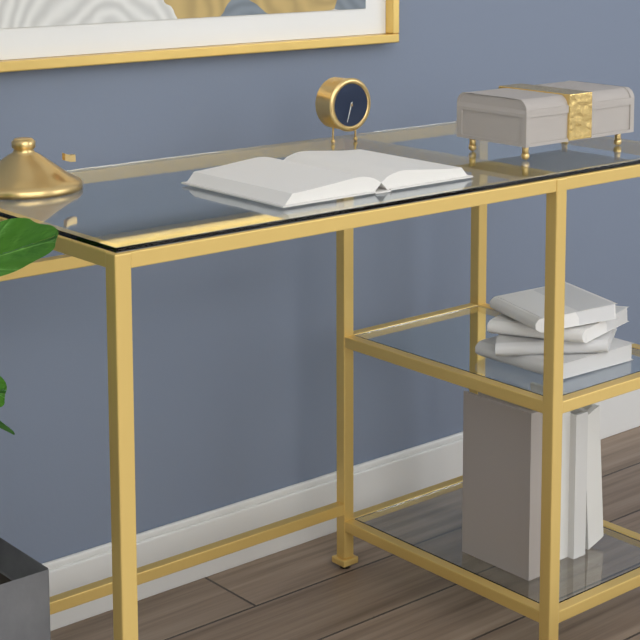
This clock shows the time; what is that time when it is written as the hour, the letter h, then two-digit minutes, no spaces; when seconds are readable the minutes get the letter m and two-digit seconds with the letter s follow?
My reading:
6h33
